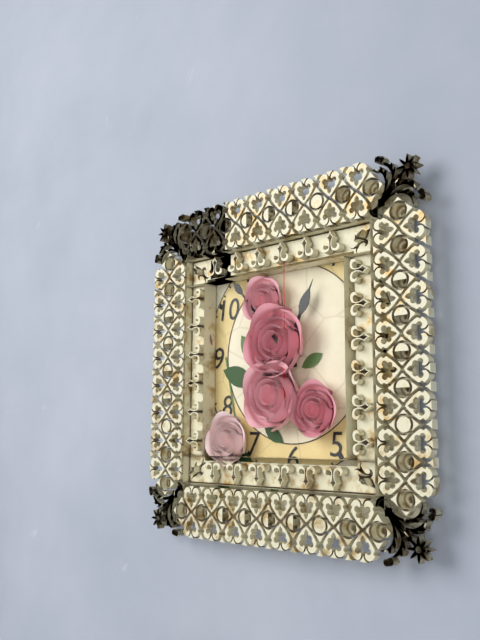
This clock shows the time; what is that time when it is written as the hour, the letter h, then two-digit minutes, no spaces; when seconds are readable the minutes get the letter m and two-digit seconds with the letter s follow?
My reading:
12h53m00s
